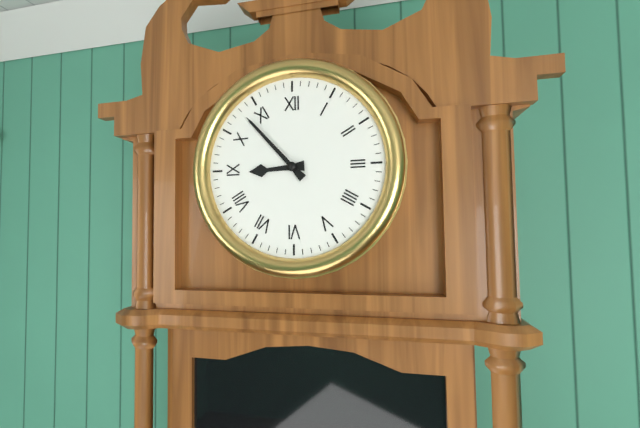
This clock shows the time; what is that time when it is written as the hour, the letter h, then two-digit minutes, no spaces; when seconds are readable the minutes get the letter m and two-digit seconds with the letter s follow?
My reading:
8h53
